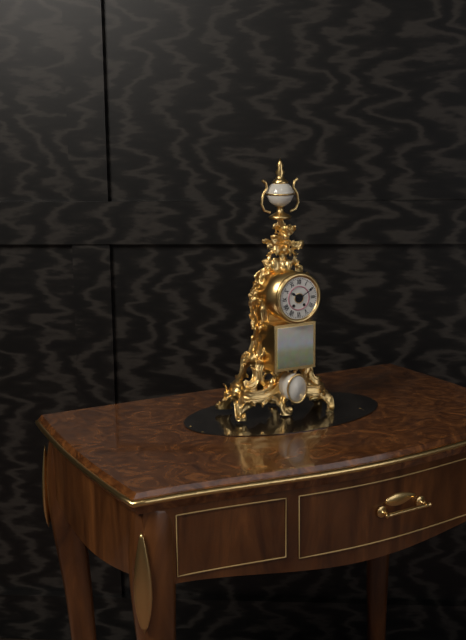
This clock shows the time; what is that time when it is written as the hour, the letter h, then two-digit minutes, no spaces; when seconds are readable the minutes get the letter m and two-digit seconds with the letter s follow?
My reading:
10h10
